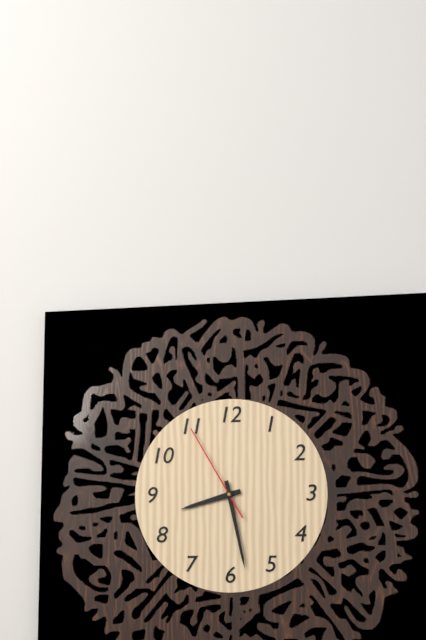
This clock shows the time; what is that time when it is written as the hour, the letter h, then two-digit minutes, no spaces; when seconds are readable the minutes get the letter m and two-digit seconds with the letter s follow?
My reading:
8h28m55s
